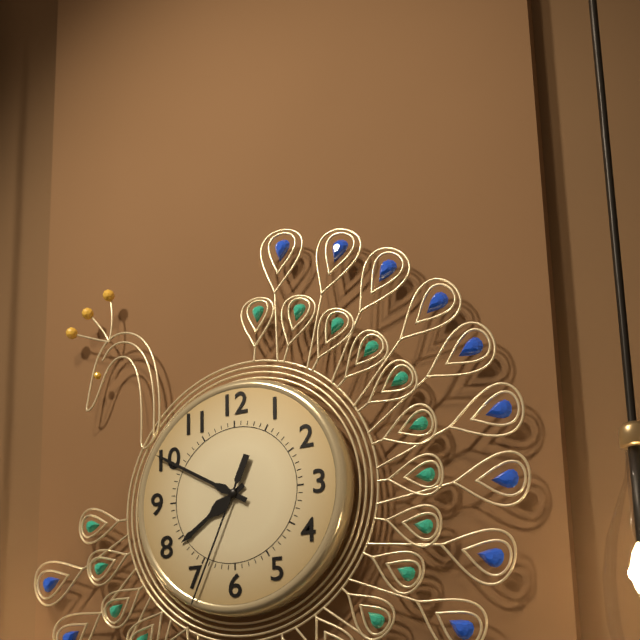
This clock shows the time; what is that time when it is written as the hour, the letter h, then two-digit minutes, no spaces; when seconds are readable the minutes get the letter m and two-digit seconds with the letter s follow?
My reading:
7h50m34s
